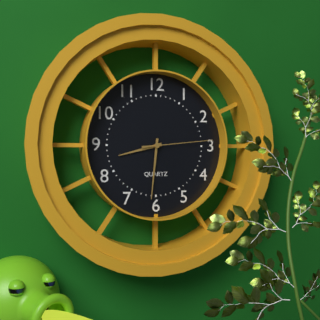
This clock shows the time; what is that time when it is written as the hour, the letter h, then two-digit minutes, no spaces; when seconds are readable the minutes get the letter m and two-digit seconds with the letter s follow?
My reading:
8h31m14s
